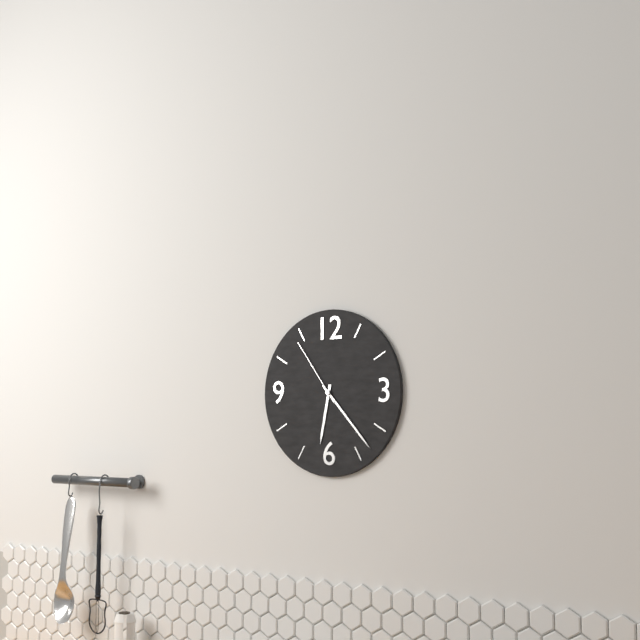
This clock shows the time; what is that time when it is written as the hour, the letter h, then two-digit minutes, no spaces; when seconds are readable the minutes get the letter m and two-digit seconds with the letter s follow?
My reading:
6h23m54s
